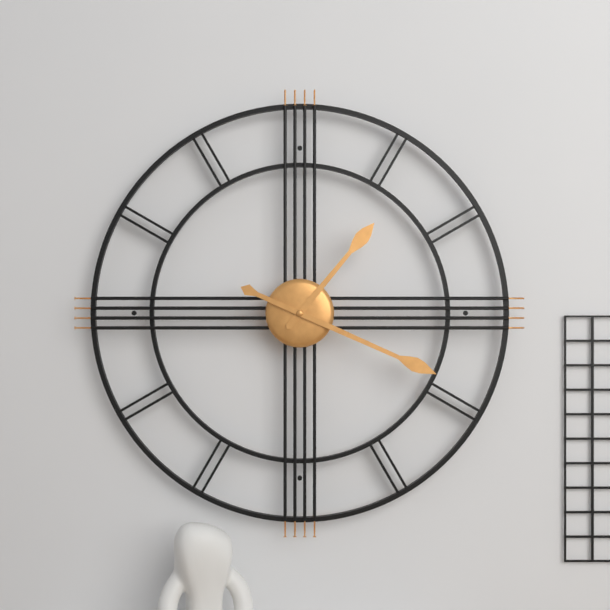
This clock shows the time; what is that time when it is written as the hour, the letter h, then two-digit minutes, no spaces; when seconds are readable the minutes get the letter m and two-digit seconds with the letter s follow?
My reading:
1h19
